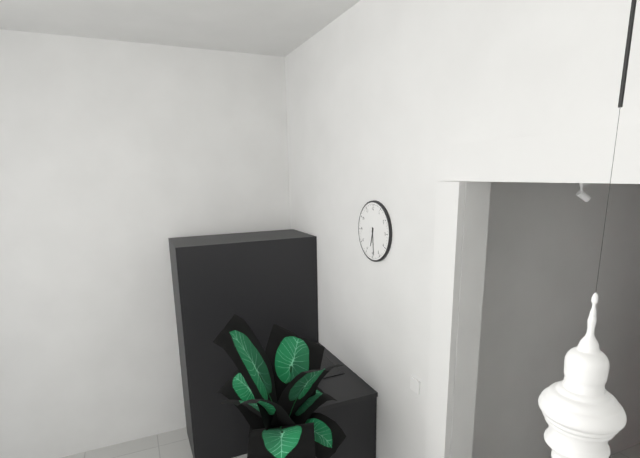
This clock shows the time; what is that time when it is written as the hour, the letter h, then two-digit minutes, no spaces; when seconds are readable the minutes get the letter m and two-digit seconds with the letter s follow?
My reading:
6h29
